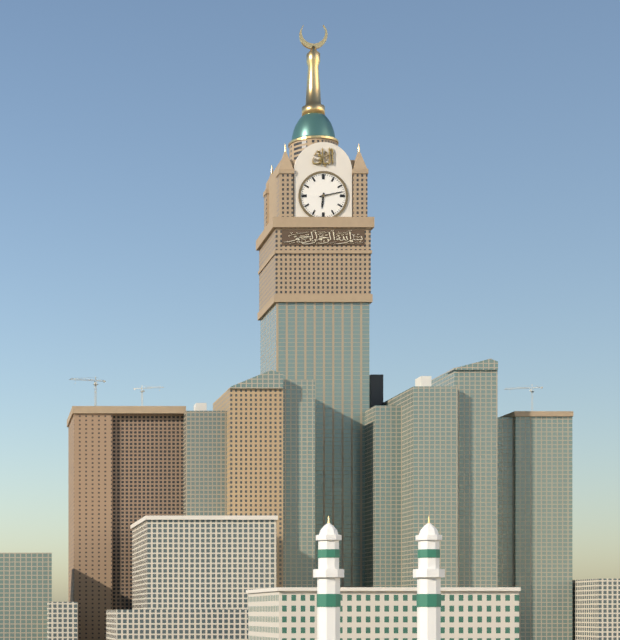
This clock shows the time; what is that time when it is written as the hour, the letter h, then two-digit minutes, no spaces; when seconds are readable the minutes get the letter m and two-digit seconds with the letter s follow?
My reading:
6h13
